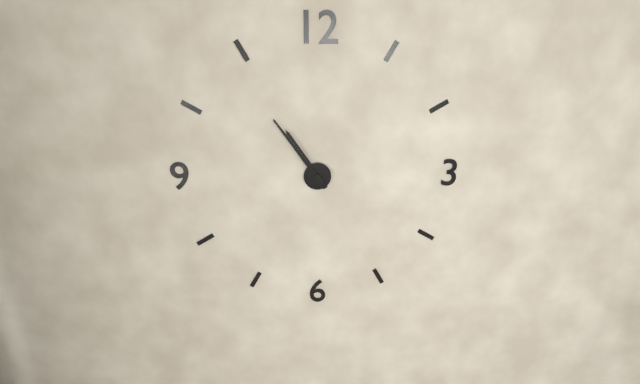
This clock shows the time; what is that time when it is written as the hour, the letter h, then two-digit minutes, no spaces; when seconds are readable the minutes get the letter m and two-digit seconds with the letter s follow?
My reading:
10h54
